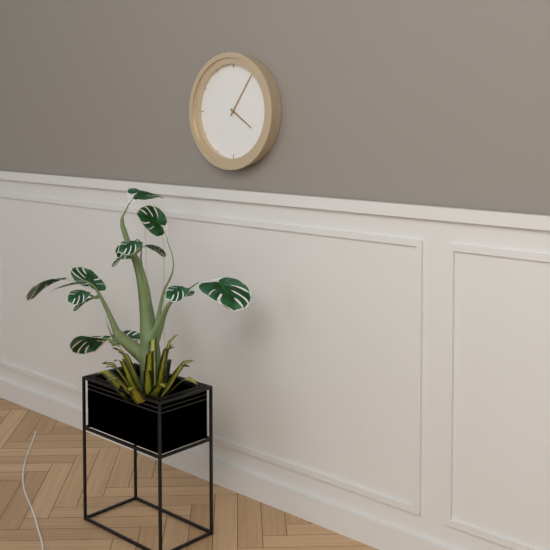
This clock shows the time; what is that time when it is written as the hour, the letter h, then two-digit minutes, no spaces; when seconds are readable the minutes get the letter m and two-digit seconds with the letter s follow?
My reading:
4h06
